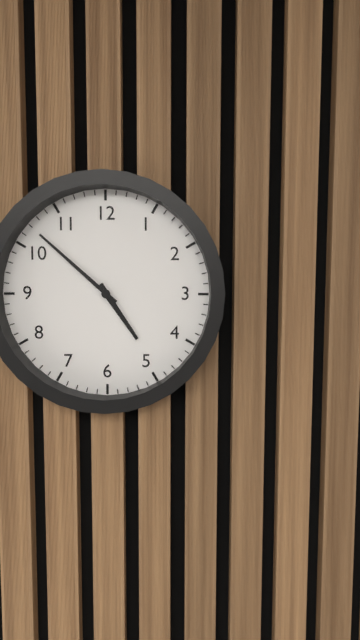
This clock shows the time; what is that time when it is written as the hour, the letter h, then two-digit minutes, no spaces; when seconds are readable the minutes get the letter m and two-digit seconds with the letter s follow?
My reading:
4h52
